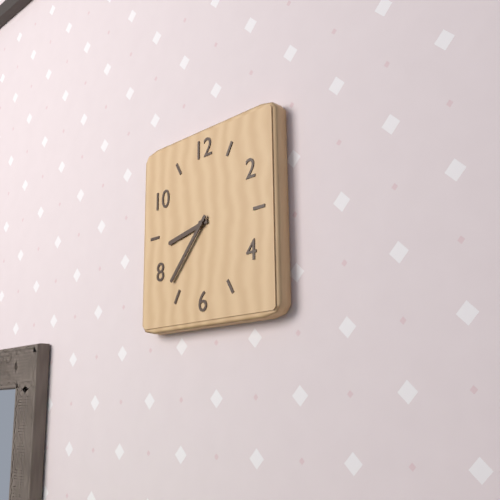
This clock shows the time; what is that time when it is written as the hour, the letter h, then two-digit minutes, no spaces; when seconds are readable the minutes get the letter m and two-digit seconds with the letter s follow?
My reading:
8h37
